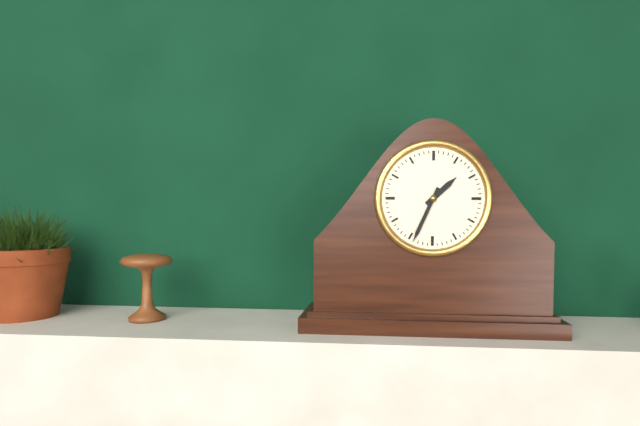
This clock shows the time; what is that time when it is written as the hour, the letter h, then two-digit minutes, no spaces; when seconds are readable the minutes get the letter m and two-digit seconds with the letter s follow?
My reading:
1h34
